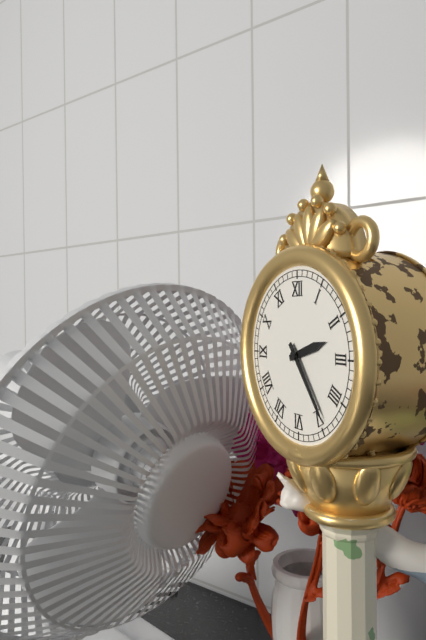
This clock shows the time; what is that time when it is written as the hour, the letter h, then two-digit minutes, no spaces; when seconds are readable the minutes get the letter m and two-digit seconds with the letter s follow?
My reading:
2h24
